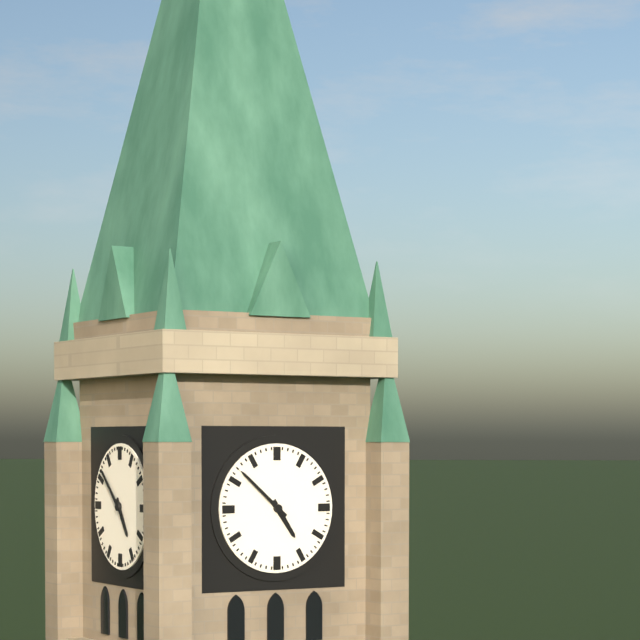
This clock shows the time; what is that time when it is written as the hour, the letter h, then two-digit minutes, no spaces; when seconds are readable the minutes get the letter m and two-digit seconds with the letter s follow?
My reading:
4h52
